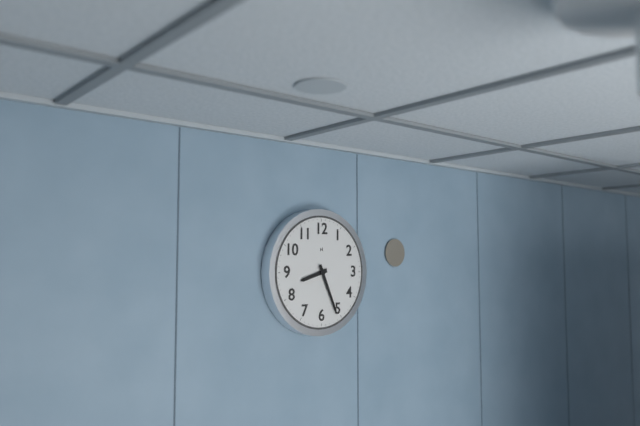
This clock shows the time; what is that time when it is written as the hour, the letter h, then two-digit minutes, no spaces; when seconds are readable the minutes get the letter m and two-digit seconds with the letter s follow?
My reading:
8h26
